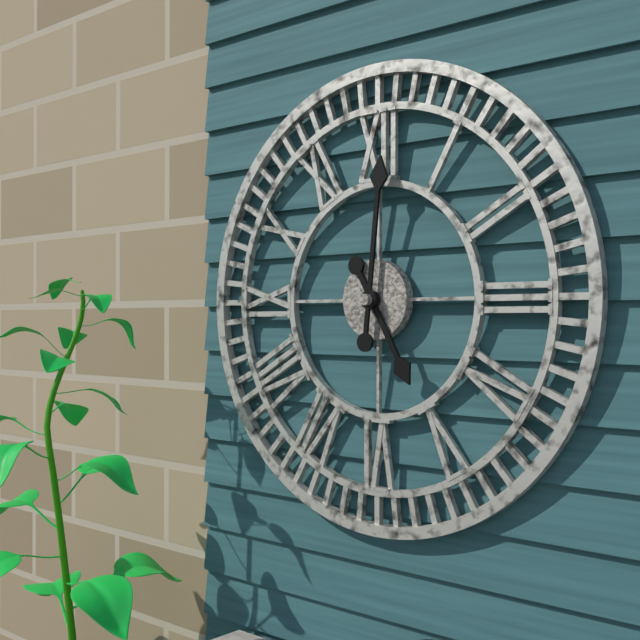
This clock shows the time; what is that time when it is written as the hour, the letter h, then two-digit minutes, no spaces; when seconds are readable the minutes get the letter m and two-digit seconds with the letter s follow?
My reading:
5h01
